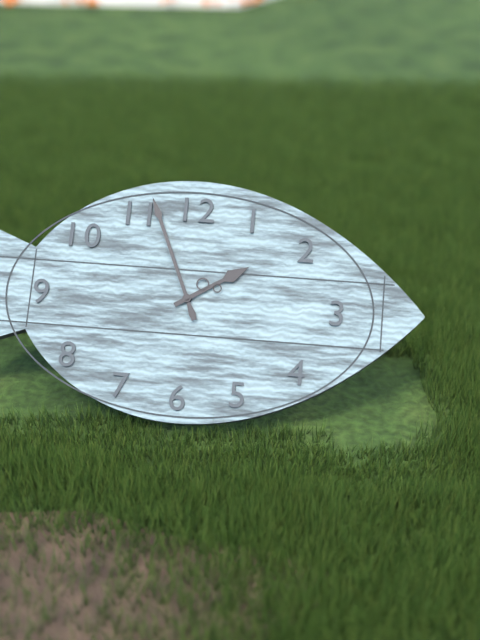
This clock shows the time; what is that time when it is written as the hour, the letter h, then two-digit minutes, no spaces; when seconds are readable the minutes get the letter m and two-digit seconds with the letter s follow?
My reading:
1h56
